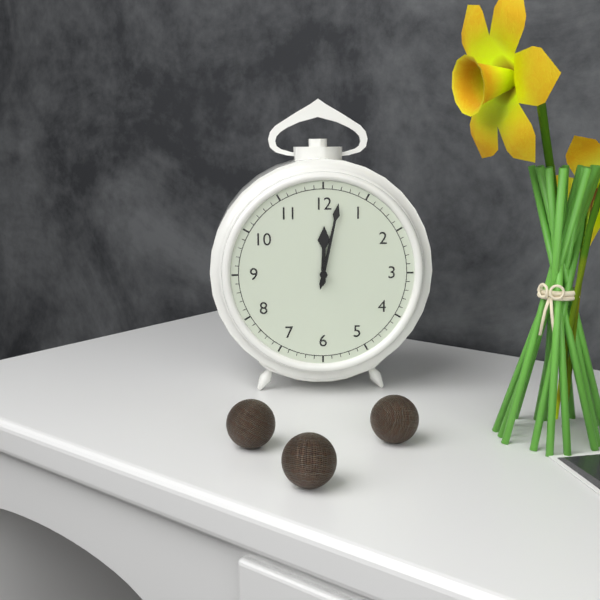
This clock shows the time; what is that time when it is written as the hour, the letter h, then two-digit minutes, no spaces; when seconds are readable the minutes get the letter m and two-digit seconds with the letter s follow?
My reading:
12h02
